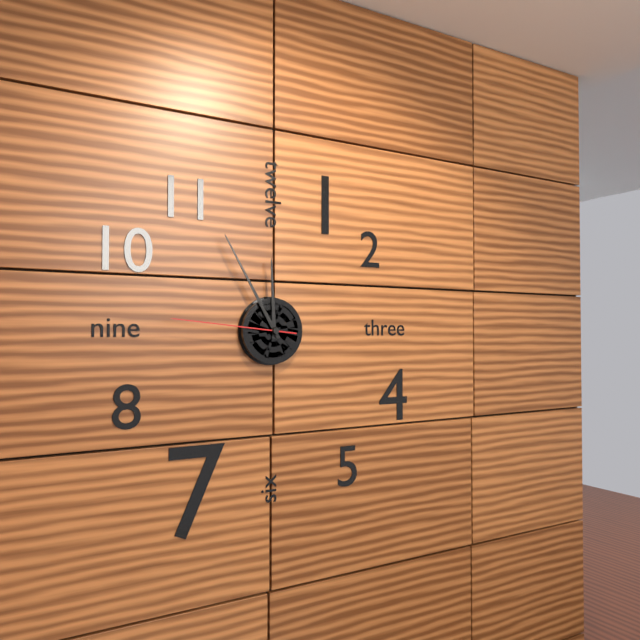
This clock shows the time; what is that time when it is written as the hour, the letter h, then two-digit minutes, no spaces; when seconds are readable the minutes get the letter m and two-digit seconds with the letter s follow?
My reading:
11h55m46s
